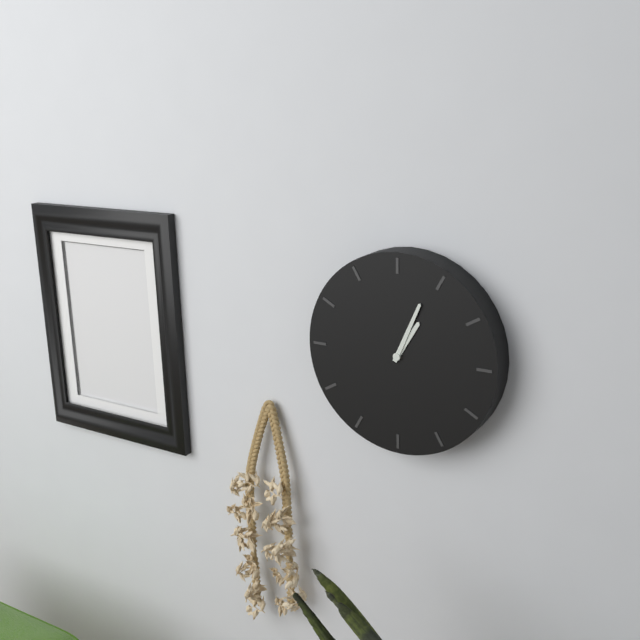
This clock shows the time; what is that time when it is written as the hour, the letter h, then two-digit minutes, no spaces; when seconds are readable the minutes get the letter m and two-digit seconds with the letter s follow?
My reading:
1h04
